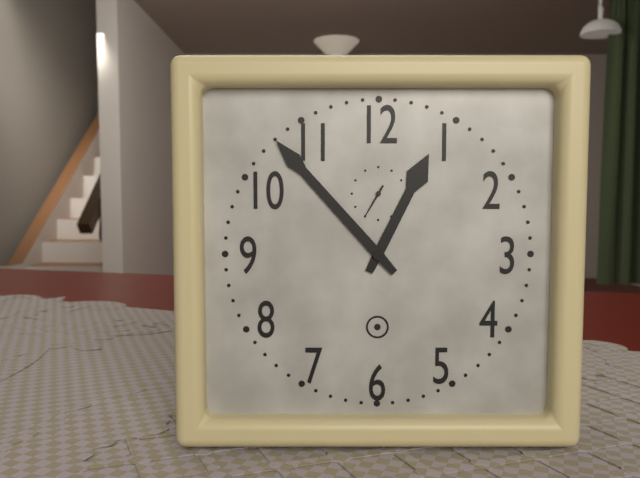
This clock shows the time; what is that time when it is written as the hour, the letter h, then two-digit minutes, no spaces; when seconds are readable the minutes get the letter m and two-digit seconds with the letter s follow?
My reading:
12h53
